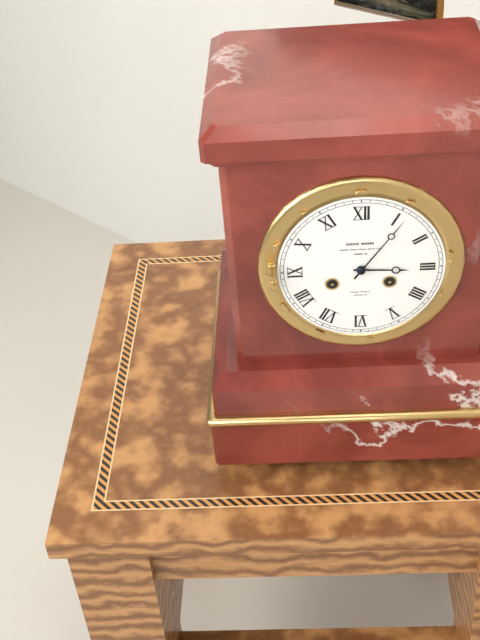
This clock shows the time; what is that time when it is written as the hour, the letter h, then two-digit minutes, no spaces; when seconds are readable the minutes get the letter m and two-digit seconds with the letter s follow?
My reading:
3h06
